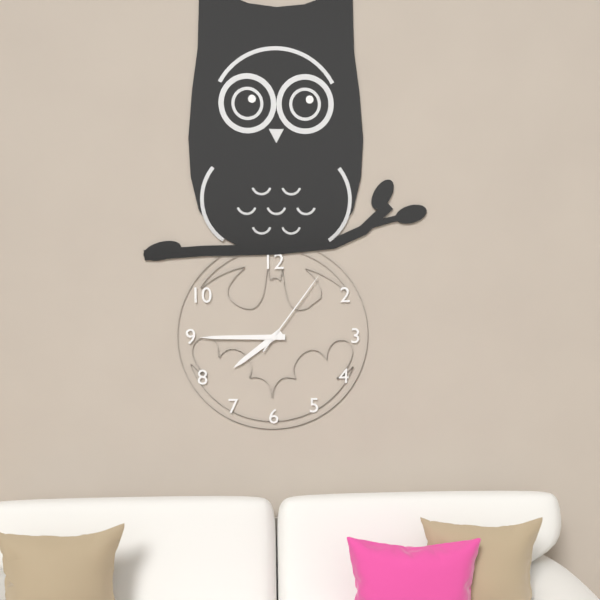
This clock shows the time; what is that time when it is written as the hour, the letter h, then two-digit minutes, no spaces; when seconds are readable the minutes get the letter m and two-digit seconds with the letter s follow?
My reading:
7h45m06s
